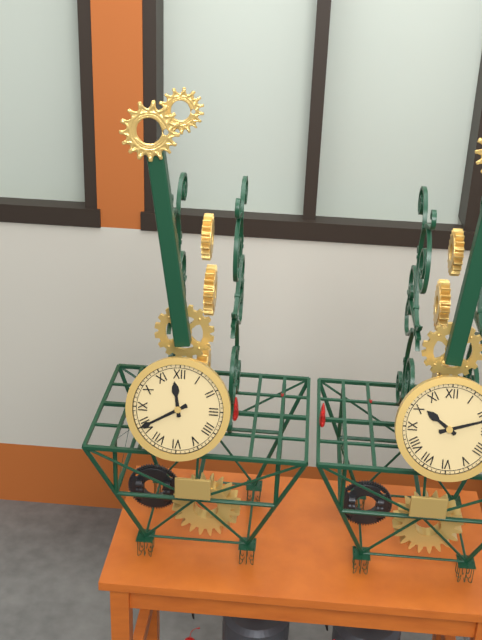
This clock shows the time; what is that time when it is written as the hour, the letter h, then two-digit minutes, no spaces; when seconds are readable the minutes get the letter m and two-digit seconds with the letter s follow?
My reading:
11h40
